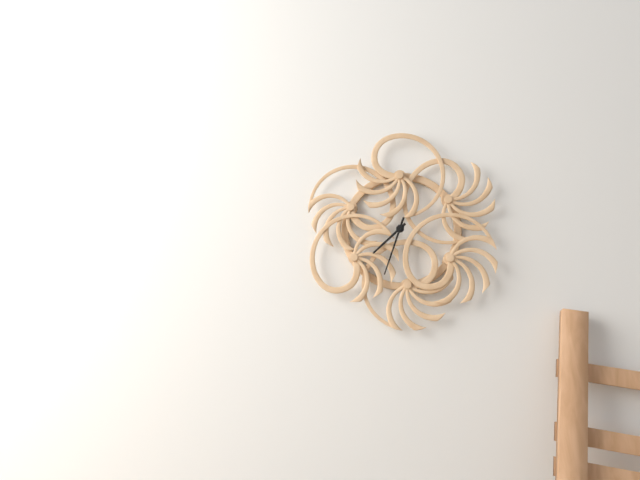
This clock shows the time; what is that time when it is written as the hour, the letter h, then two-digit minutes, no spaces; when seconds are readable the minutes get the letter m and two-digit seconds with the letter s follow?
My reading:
7h33
